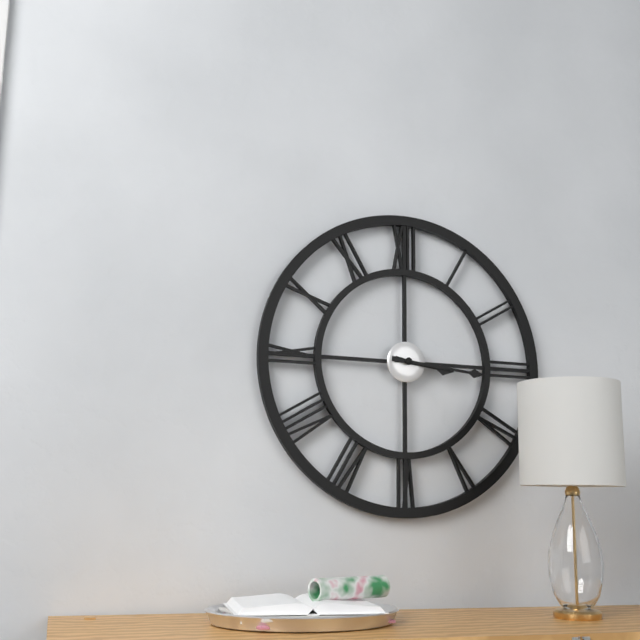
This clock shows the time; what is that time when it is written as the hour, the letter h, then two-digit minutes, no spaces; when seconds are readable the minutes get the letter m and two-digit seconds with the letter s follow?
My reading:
3h16
